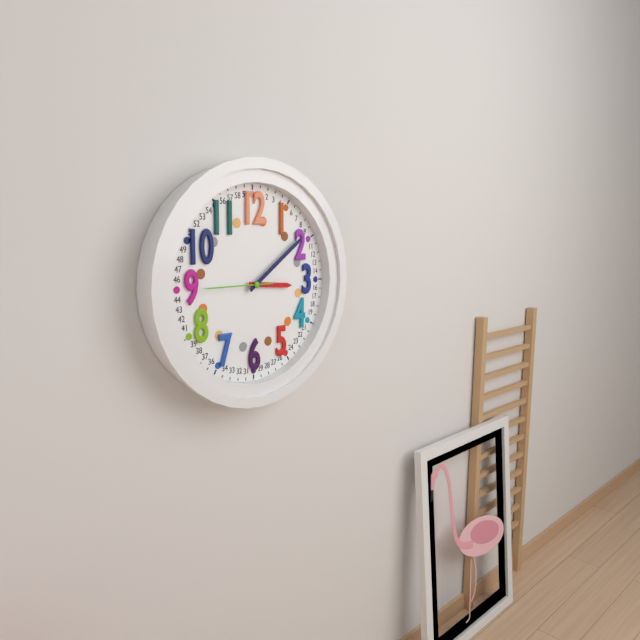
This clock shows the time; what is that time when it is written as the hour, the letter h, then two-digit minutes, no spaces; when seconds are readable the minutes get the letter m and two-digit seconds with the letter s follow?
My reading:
3h09m45s
